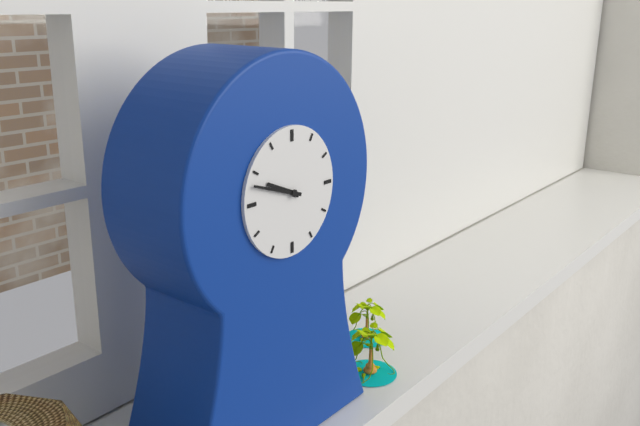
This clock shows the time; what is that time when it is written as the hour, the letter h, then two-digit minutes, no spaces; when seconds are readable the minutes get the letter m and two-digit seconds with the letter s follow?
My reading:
9h48
